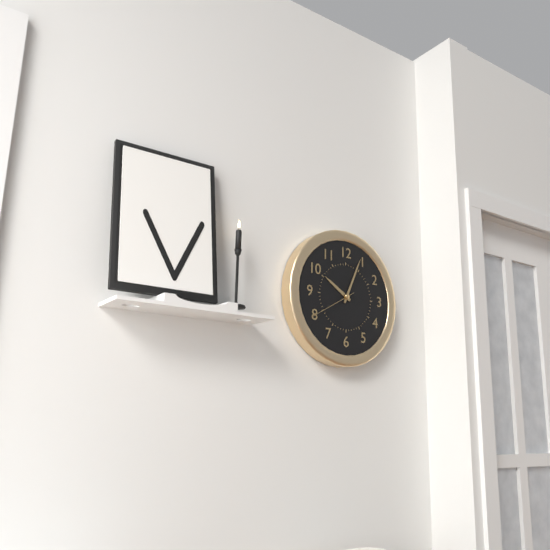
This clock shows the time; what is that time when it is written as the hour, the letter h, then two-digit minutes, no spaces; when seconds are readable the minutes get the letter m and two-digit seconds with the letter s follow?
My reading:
10h04
